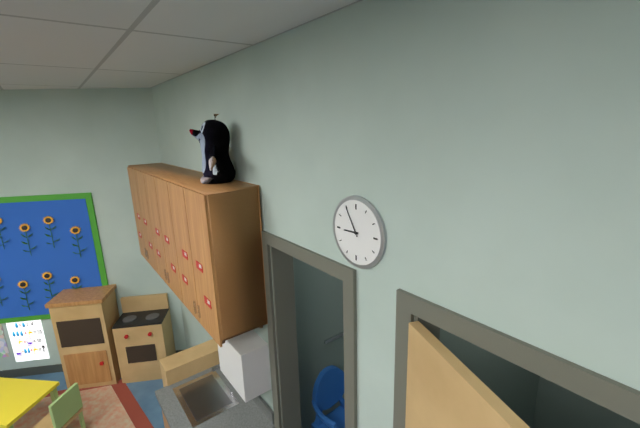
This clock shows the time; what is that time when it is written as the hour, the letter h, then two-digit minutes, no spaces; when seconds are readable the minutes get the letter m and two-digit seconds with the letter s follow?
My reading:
8h55
